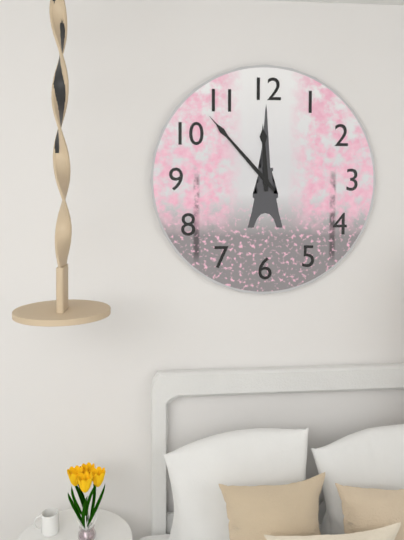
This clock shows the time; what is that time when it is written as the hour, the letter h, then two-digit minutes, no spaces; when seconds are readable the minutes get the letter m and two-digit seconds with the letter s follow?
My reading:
11h53
